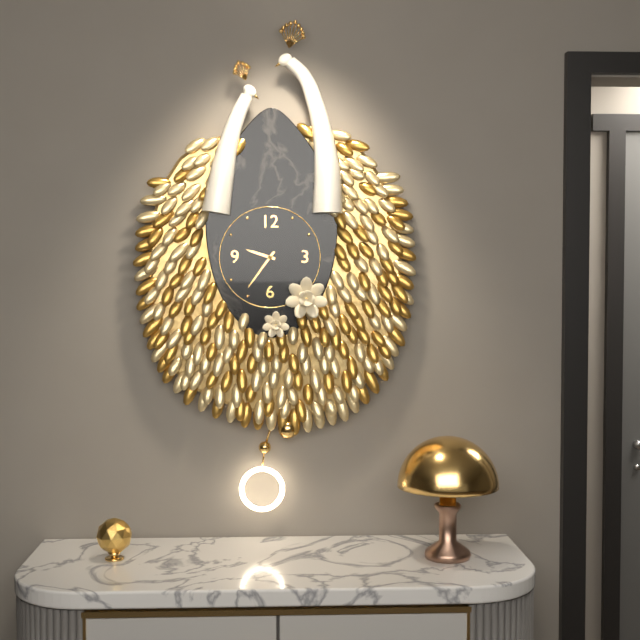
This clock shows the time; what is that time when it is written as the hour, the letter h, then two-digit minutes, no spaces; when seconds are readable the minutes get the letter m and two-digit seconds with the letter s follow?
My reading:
9h36
